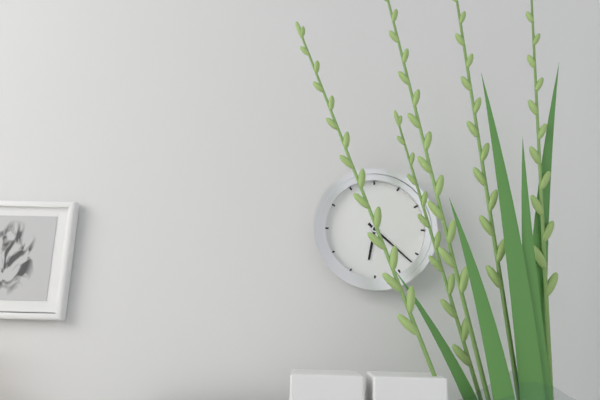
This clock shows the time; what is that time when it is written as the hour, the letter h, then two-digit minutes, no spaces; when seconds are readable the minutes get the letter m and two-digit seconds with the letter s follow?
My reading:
6h22
